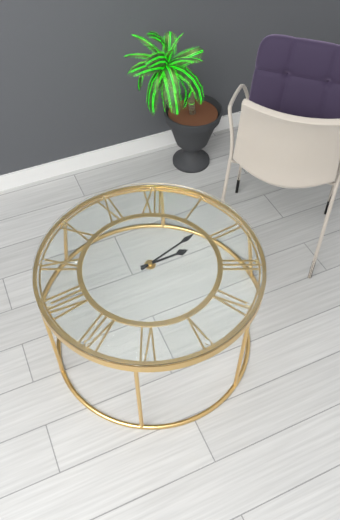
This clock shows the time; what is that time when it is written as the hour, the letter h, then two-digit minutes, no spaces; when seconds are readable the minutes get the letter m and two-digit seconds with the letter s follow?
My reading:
2h08
